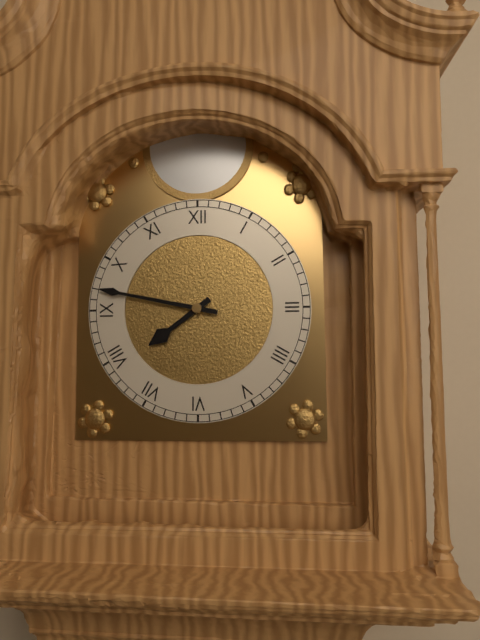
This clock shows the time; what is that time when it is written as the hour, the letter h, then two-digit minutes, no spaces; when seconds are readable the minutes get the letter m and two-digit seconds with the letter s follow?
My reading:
7h47
